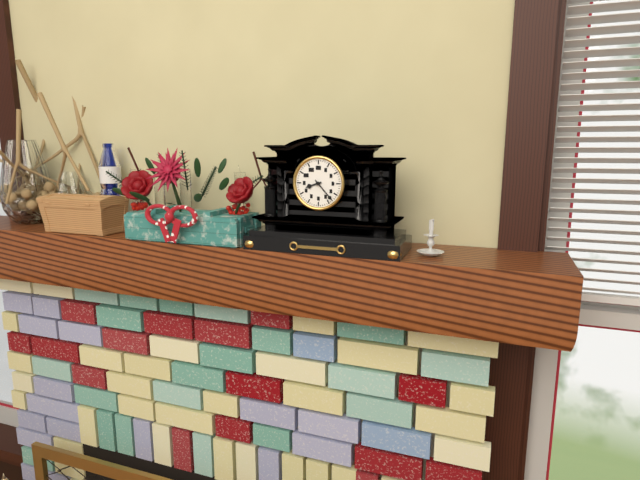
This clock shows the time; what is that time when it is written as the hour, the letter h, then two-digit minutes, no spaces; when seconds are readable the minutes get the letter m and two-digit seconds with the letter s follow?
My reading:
8h23
